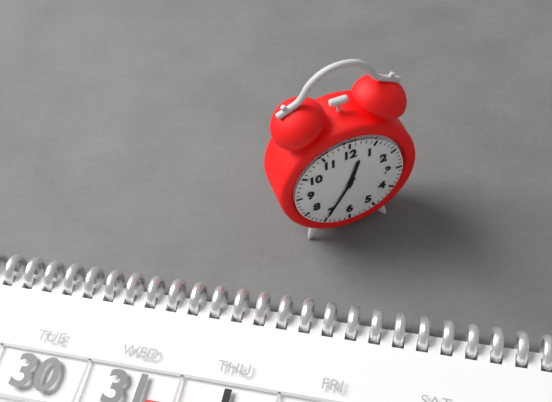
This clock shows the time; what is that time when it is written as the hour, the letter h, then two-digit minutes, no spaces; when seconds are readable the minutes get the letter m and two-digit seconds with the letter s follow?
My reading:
12h35
